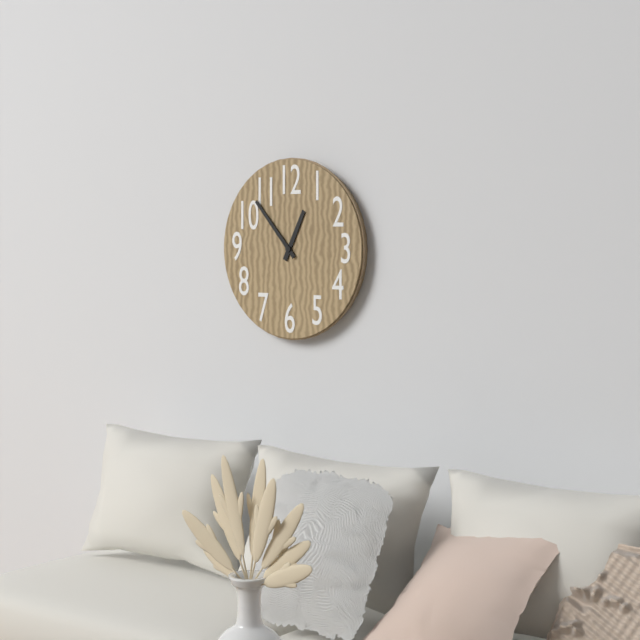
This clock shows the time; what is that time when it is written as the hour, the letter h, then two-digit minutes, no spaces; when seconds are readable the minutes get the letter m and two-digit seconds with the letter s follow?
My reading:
12h53
